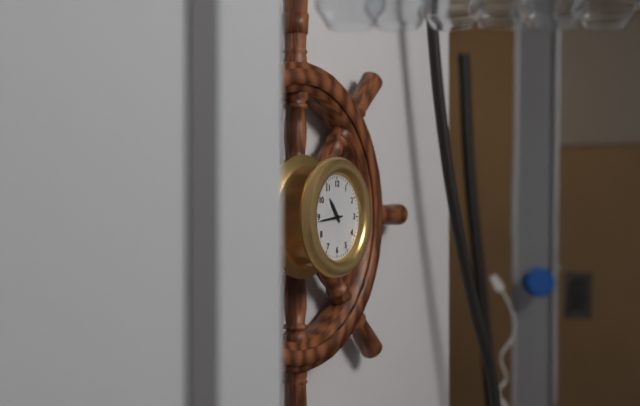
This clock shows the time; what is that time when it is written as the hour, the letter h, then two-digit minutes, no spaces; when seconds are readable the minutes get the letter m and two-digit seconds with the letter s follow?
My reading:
10h44
